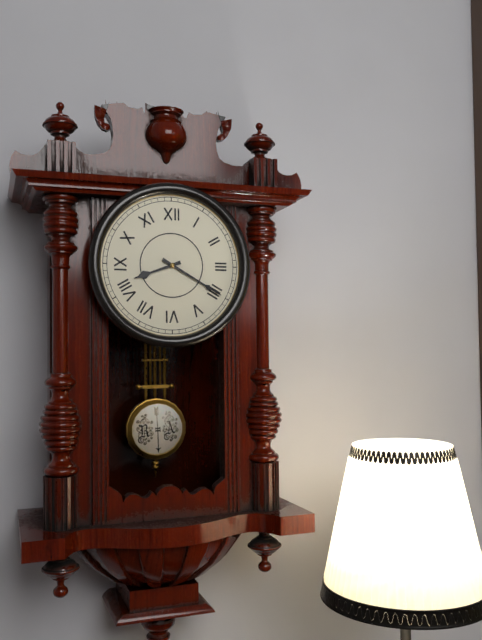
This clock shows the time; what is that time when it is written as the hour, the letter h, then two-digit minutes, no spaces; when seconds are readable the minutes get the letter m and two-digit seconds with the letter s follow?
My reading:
8h20
